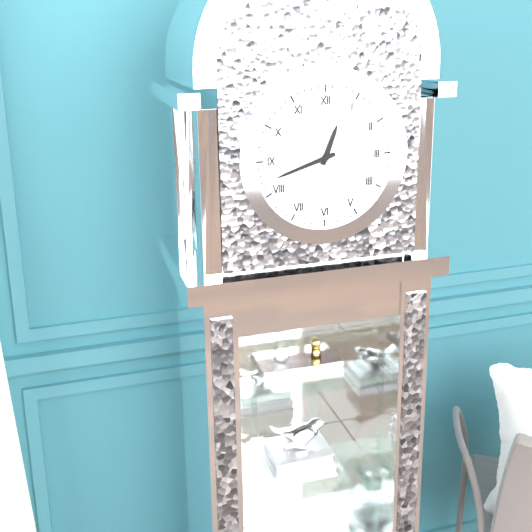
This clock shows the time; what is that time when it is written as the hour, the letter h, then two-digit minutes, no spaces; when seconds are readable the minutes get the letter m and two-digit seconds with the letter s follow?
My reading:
12h42
